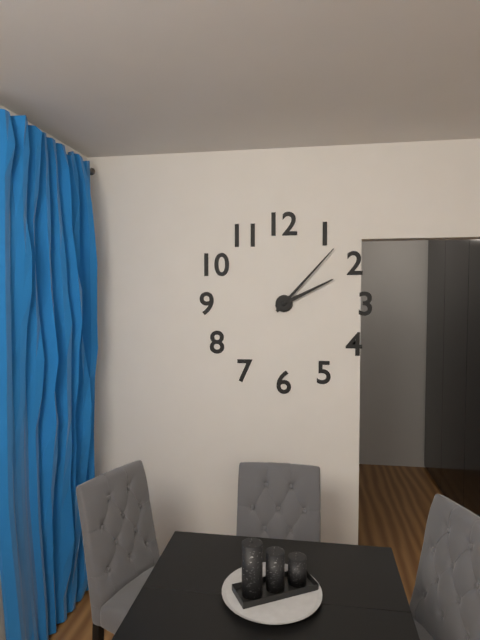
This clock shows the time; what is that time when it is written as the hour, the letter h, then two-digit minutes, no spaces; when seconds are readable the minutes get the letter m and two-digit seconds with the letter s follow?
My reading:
2h07
